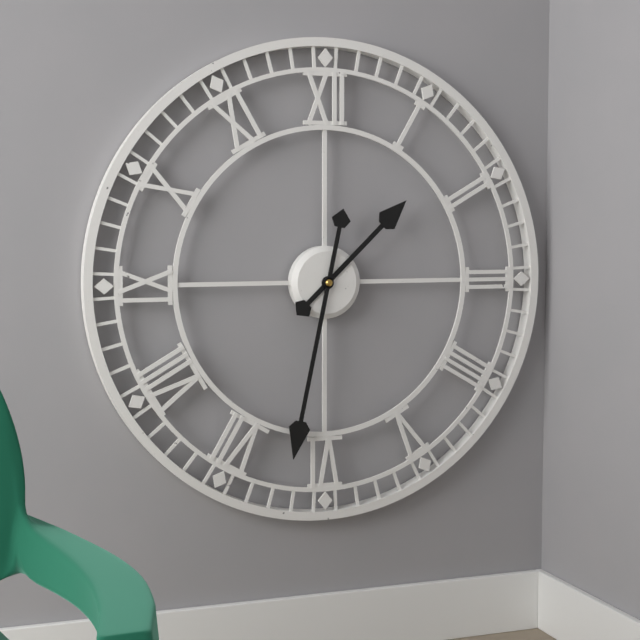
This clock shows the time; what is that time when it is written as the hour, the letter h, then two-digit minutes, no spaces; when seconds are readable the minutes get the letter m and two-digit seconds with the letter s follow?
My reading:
1h32
